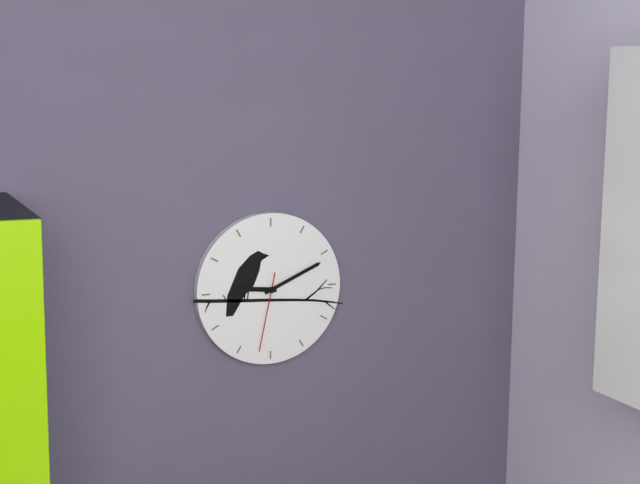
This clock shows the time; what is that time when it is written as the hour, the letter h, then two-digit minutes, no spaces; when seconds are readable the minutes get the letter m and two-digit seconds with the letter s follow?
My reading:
9h11m32s
